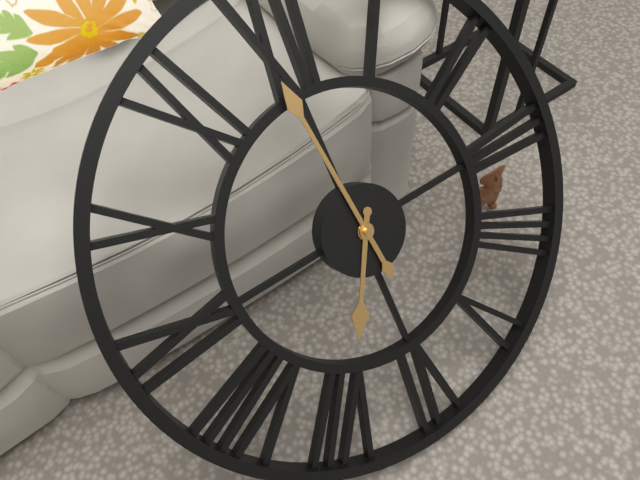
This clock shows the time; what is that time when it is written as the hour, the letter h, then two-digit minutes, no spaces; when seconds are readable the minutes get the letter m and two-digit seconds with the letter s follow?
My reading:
6h59
